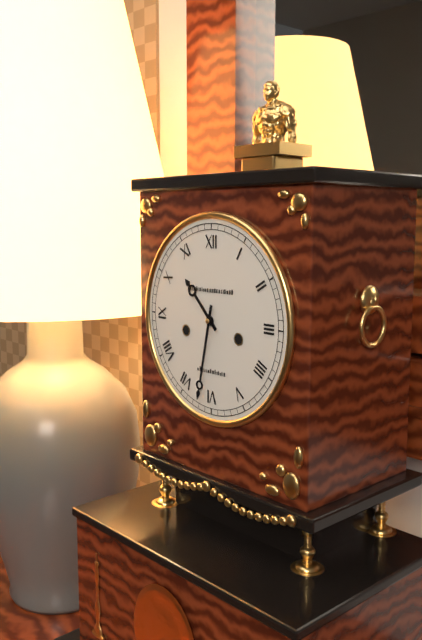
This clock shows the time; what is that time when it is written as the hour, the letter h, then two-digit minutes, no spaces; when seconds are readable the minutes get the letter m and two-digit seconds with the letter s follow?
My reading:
10h32
